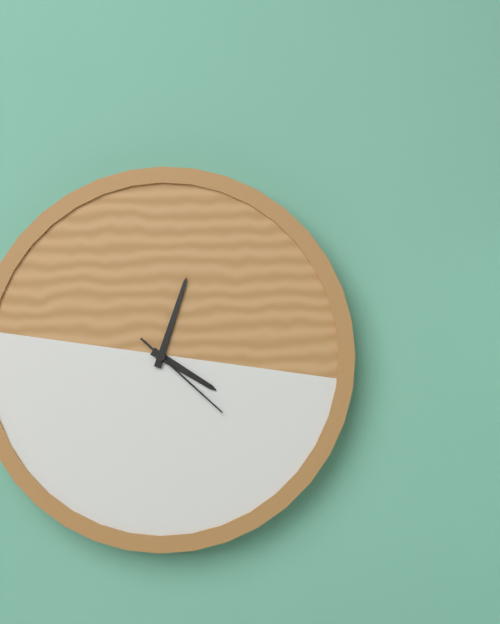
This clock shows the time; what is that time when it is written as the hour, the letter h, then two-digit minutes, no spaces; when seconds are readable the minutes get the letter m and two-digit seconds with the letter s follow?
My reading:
4h03m22s
